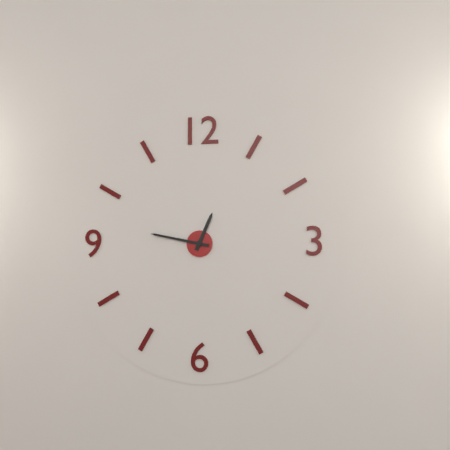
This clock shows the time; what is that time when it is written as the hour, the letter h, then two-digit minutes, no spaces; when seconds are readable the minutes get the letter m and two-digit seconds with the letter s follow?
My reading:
12h47
